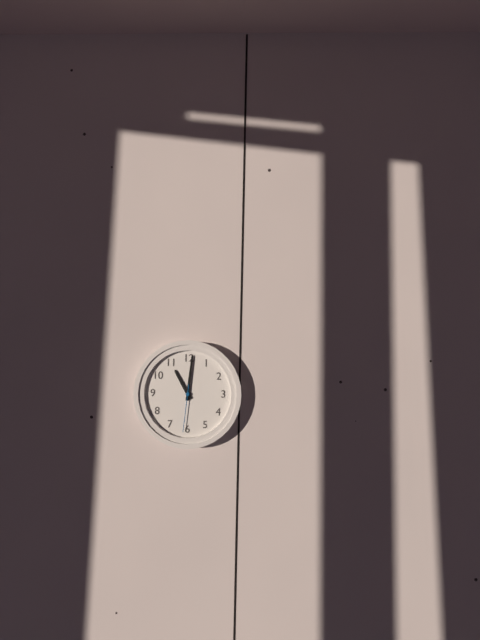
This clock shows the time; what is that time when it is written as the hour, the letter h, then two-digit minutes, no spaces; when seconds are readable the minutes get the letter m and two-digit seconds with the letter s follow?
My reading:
11h01
